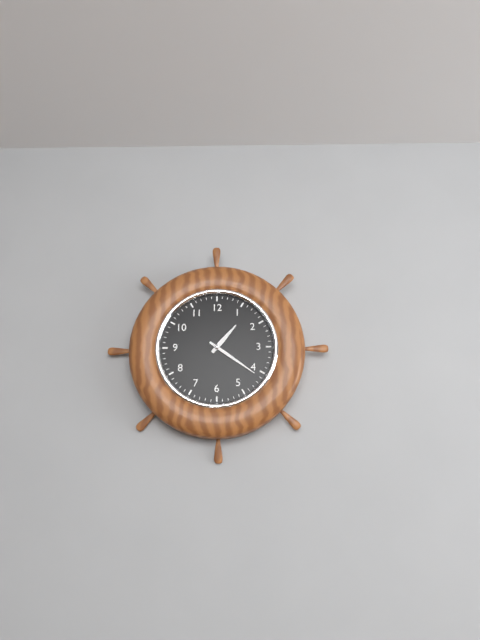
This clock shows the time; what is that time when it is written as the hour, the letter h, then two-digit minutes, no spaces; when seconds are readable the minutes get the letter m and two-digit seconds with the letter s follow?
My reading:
1h21
